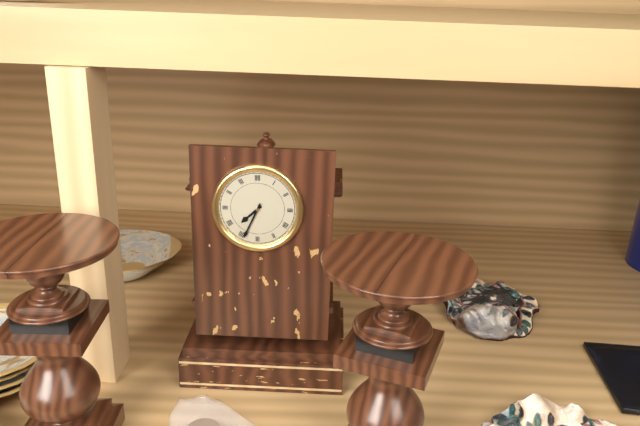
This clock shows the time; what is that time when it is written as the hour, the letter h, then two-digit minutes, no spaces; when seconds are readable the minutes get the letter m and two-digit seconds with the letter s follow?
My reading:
7h34
